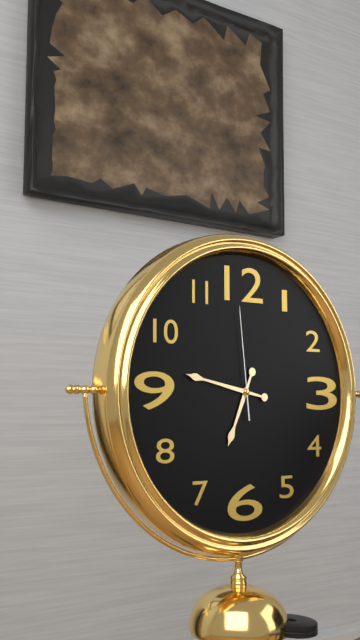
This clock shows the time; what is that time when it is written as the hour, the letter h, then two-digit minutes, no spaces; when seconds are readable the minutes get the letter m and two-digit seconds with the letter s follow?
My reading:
6h47m59s
